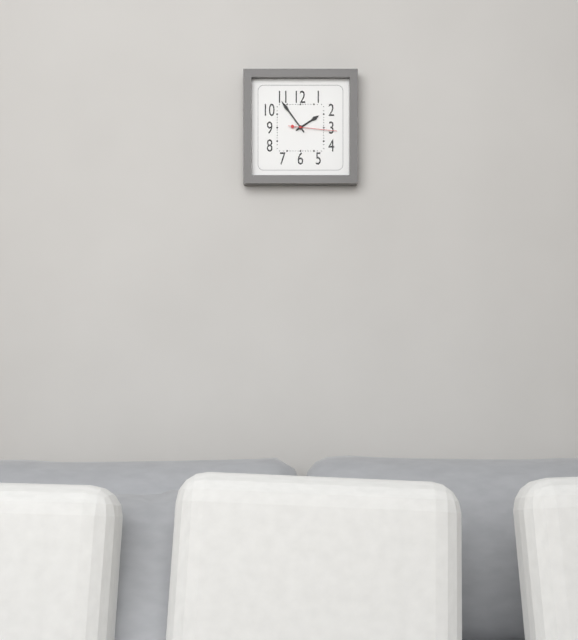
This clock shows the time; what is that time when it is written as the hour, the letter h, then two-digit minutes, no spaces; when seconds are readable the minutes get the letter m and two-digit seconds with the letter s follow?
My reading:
1h54
